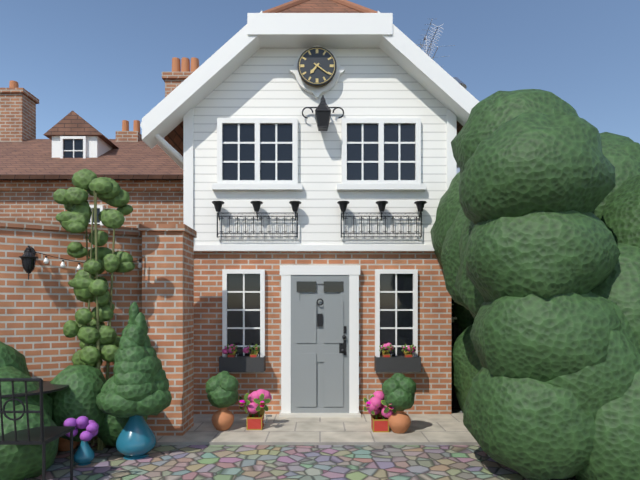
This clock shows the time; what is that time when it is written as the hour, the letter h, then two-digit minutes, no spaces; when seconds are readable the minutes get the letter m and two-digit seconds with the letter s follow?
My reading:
7h21
